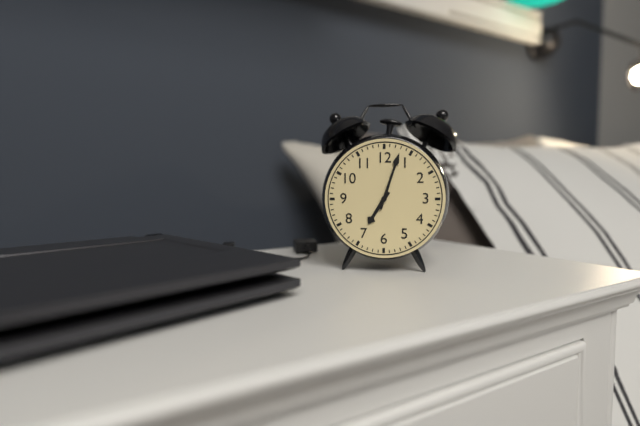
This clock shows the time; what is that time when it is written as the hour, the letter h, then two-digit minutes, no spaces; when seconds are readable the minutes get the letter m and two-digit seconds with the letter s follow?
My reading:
7h03
